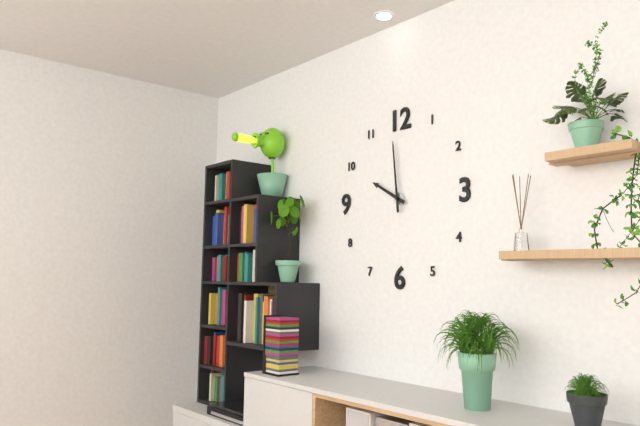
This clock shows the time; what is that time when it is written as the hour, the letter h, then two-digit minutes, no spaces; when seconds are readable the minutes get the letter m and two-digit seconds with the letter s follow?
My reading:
9h59
